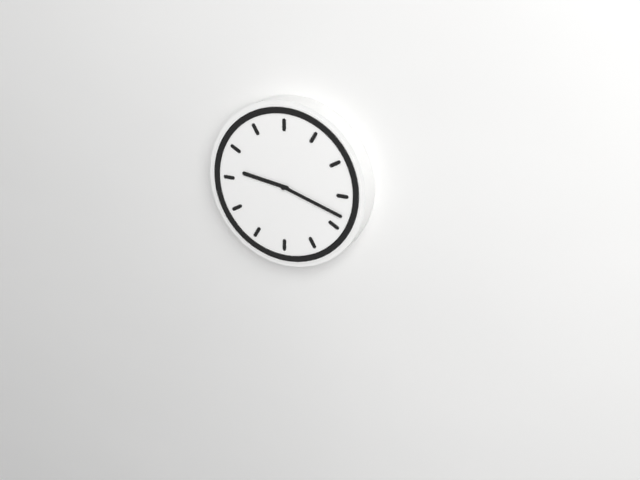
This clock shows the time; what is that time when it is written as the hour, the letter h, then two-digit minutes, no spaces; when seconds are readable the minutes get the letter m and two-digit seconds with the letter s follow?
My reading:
9h18
